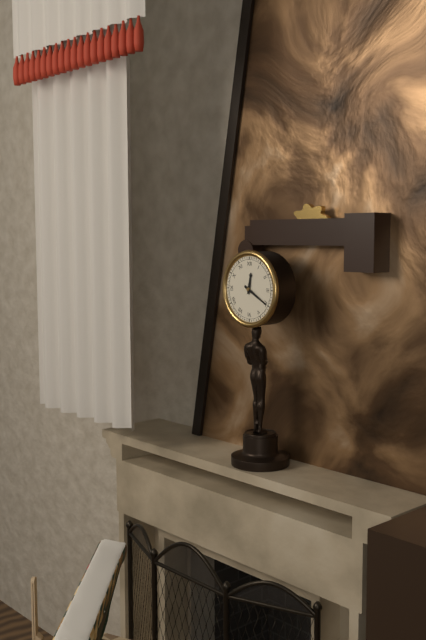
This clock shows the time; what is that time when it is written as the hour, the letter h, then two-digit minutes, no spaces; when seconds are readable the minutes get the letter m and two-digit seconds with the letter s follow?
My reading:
12h20
